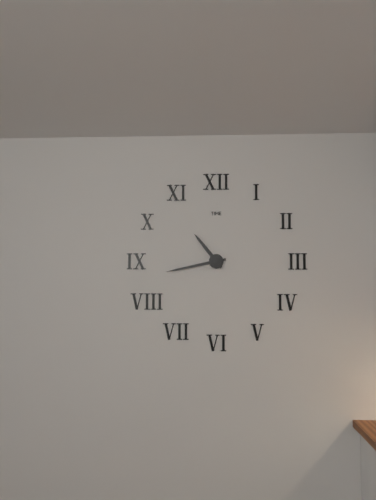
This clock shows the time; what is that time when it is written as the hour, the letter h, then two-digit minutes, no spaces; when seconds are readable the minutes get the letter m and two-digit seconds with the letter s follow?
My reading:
10h43
